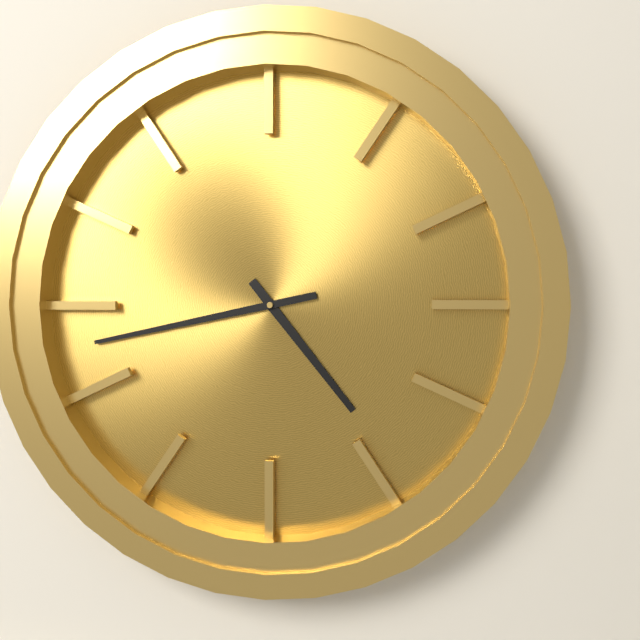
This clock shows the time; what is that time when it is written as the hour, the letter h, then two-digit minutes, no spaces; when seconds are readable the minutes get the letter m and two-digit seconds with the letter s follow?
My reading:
4h43
